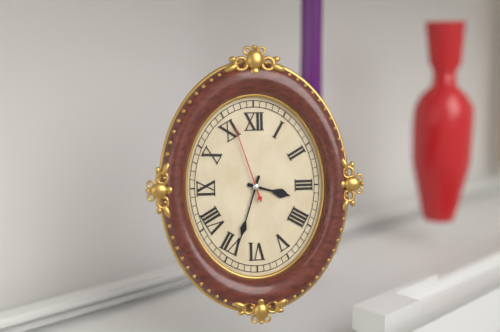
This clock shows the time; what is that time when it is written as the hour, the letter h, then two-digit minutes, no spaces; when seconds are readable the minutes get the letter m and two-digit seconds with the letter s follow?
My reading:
3h33m57s
